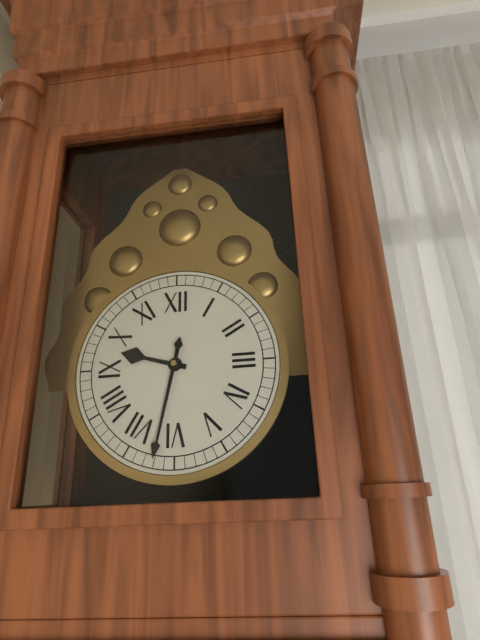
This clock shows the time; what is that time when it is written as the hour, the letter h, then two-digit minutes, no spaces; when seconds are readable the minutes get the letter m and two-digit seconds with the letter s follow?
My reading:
9h32
